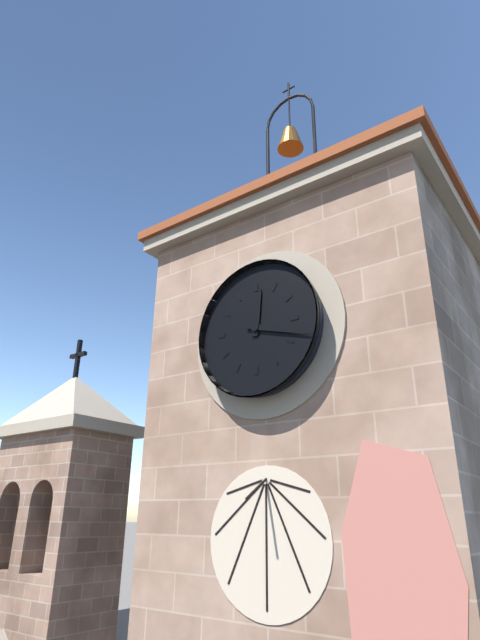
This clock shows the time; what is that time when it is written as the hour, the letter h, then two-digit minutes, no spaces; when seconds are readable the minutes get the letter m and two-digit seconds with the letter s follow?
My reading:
12h18
